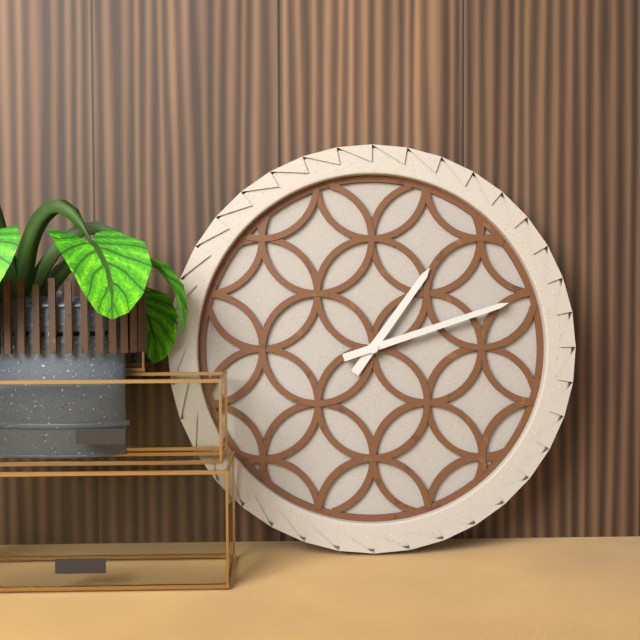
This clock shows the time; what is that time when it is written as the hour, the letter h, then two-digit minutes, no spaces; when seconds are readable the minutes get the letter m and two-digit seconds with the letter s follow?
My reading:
1h12
